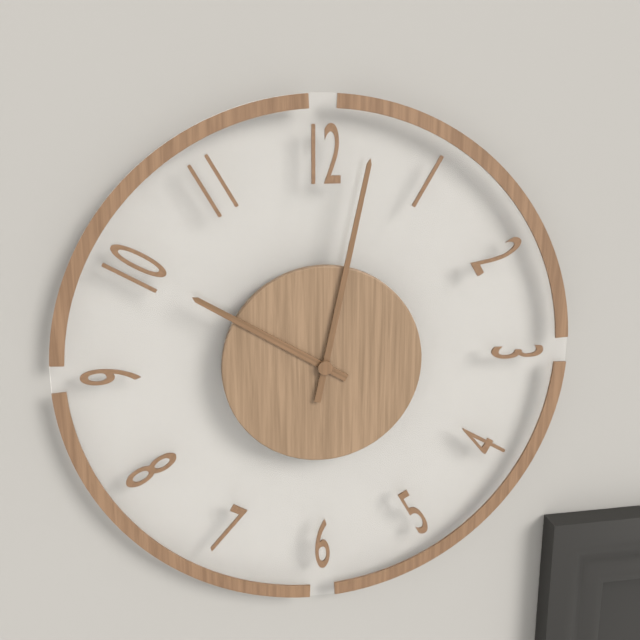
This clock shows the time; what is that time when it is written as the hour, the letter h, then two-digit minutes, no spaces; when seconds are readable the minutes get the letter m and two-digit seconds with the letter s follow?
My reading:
10h02
